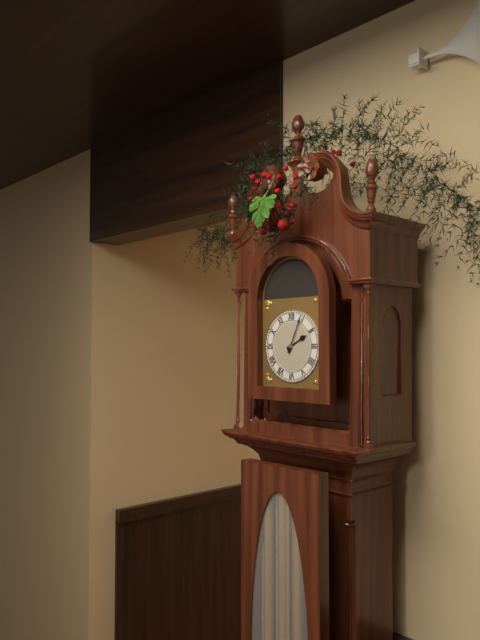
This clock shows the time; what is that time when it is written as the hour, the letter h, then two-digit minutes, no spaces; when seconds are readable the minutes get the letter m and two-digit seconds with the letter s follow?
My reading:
2h04
